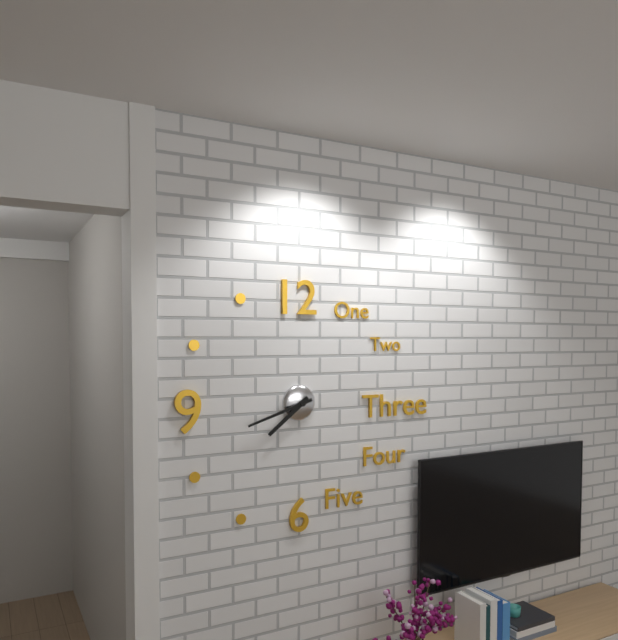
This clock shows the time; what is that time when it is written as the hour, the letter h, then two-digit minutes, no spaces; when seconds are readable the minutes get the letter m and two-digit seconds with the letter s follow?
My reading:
7h42
